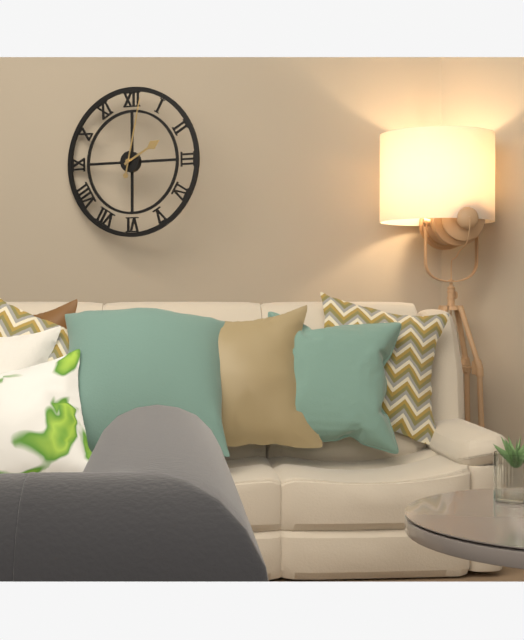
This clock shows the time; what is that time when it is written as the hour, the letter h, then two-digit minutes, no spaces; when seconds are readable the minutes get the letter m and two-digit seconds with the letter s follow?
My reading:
2h02
